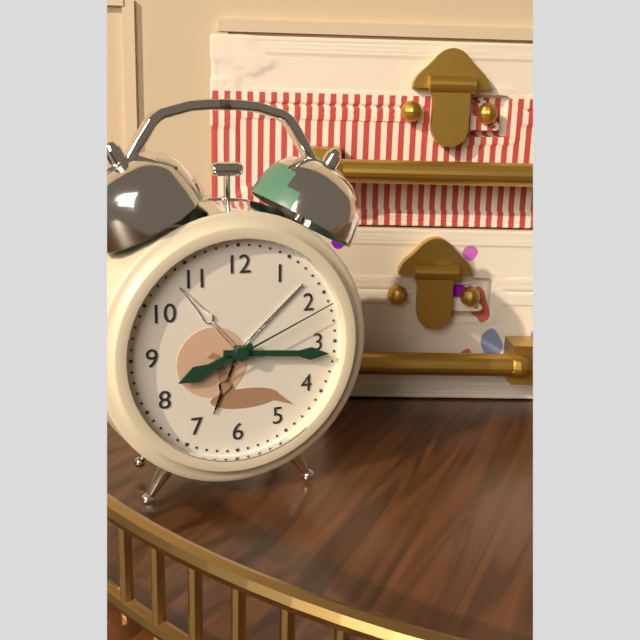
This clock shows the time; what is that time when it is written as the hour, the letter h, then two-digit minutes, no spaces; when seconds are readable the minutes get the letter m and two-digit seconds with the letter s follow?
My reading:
8h16m11s
